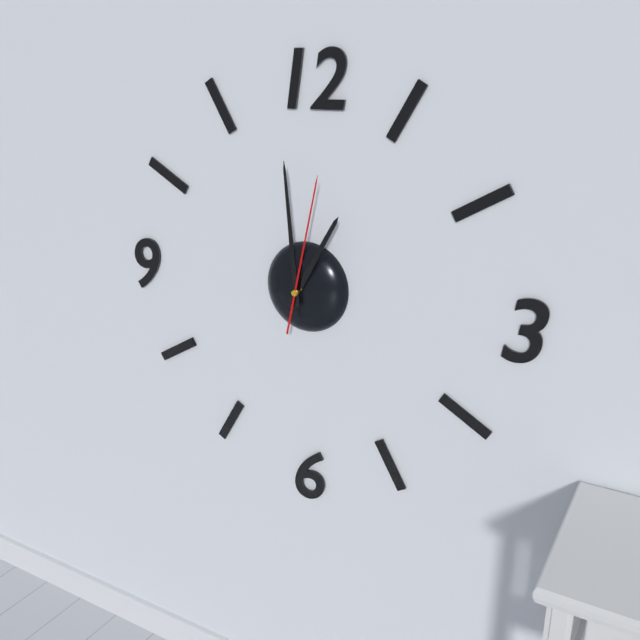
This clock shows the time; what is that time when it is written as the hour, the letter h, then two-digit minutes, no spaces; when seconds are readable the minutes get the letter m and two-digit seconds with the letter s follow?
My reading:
12h59m02s
